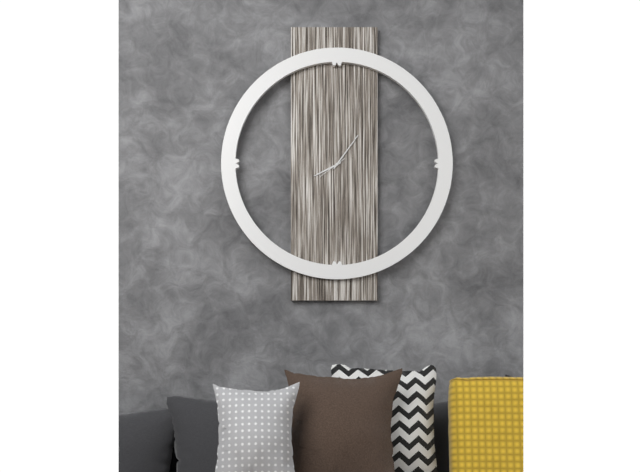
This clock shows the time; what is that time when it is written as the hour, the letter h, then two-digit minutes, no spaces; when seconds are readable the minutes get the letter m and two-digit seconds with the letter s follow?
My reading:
8h06
